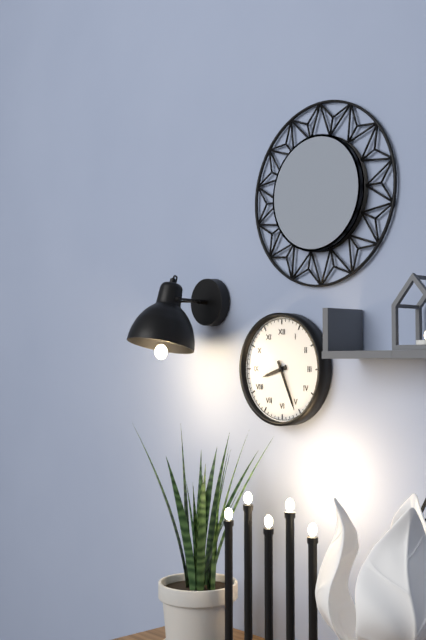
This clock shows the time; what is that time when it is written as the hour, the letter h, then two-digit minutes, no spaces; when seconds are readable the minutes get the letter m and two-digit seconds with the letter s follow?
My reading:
8h26
